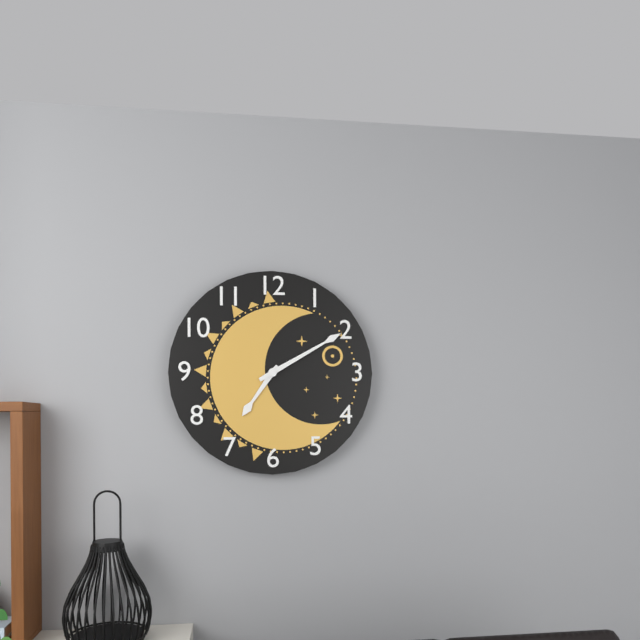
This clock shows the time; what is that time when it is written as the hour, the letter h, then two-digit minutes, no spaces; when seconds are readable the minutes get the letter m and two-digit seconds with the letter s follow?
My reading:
7h10
